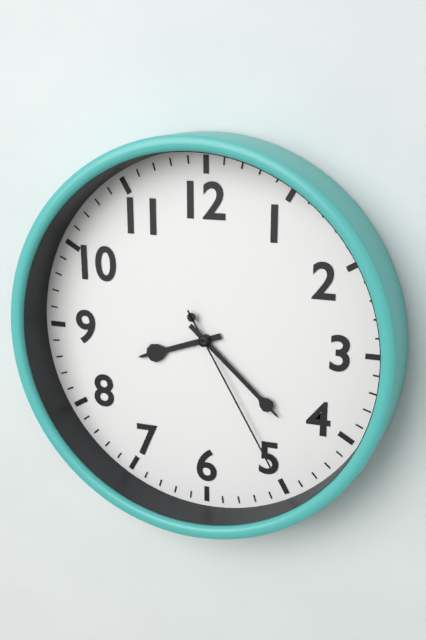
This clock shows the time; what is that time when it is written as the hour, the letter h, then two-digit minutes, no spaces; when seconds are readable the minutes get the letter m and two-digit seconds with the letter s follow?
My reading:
8h22m25s
